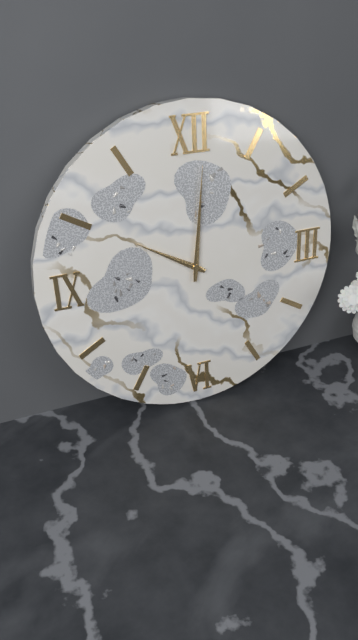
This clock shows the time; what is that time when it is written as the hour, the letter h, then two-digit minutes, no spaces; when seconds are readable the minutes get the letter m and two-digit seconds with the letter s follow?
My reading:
10h01
